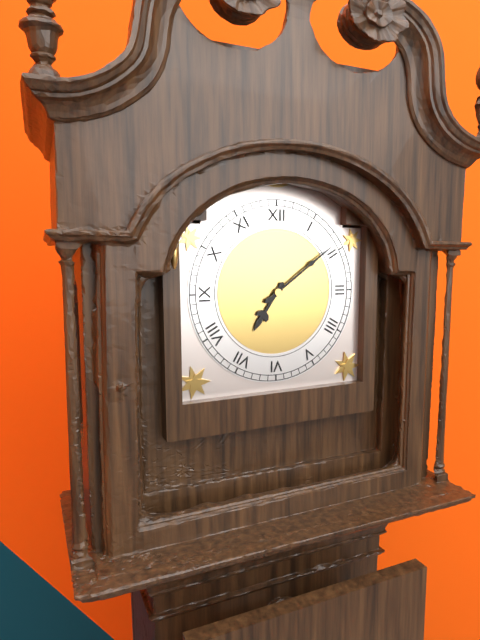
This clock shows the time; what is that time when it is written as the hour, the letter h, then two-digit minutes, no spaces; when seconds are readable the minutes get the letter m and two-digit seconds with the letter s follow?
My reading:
7h09
